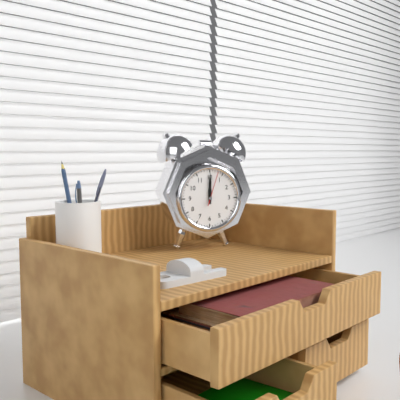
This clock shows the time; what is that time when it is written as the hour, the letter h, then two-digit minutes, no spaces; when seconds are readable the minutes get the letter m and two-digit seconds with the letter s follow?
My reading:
12h00
